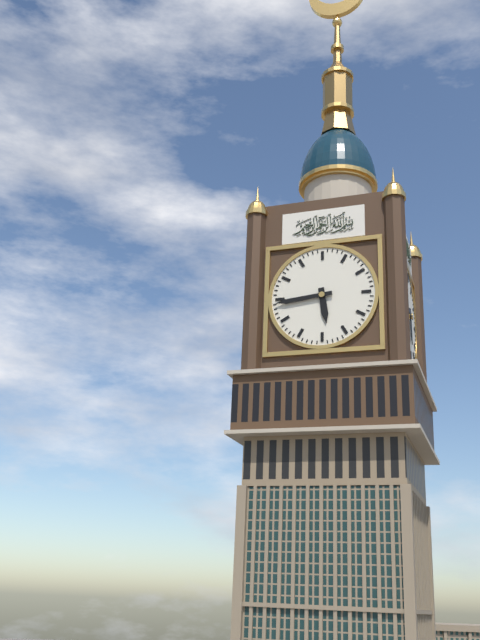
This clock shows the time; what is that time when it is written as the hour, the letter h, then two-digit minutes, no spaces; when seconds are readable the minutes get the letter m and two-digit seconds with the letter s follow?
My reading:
5h44
